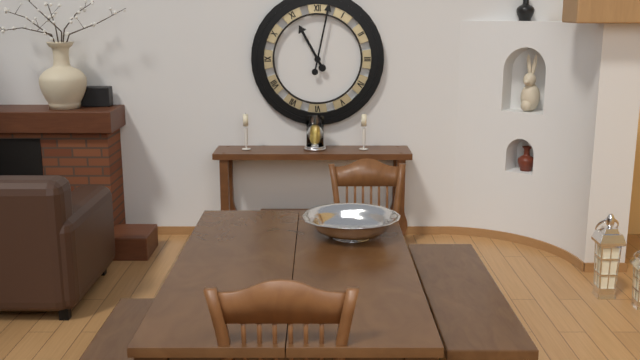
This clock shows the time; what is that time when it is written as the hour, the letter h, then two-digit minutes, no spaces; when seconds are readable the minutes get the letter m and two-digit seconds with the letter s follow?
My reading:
11h02
